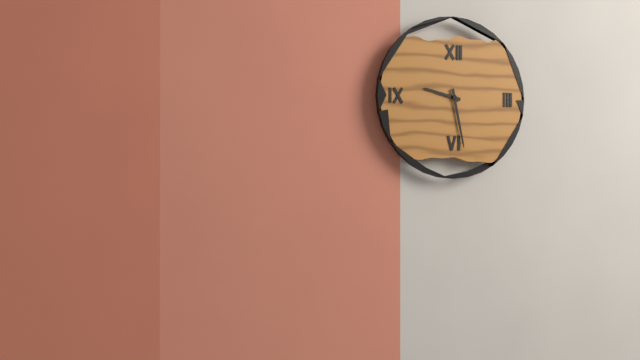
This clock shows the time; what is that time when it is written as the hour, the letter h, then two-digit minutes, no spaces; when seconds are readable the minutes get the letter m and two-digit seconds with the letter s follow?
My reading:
9h28
